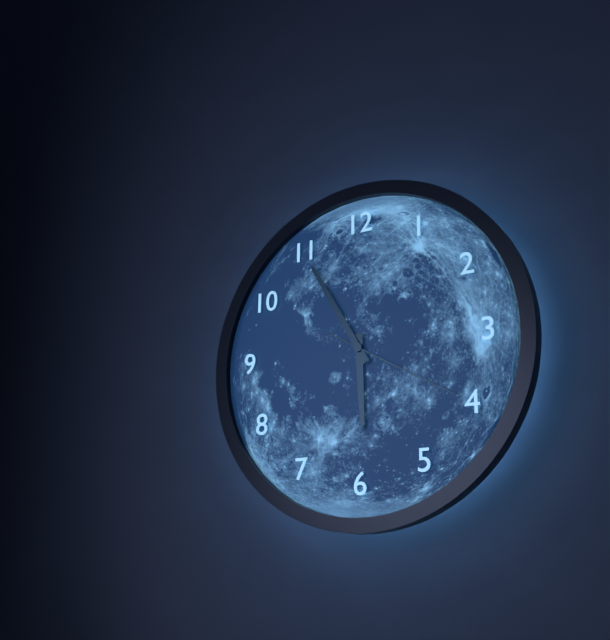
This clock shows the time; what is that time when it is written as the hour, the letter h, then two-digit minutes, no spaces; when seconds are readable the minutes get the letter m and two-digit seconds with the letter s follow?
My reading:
5h55m20s
